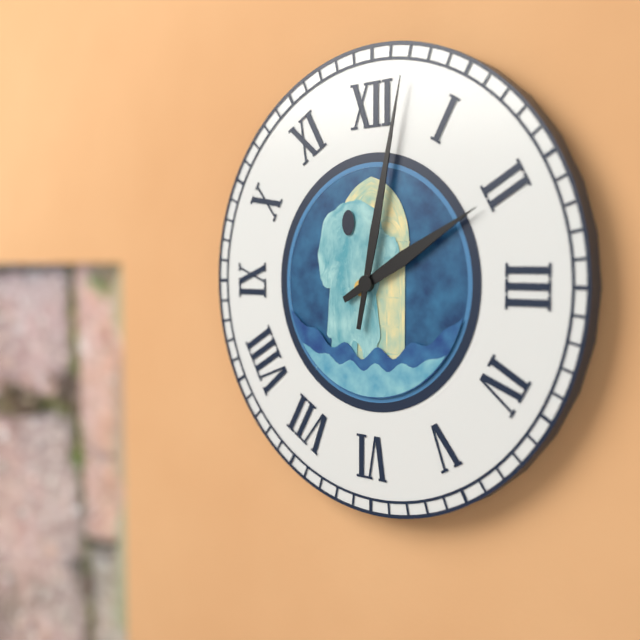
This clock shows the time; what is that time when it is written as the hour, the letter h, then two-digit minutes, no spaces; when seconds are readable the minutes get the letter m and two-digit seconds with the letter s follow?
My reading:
2h02
